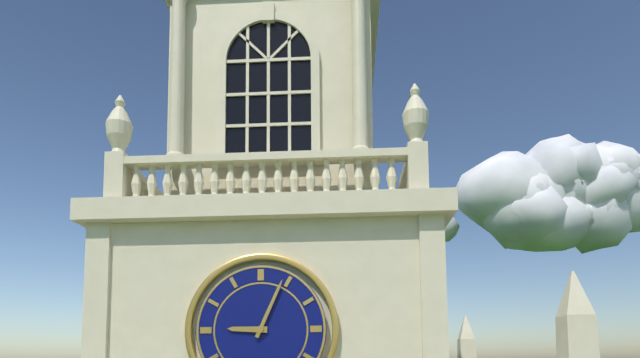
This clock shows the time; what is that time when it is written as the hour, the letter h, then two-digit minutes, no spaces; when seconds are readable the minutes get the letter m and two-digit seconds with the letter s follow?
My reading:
9h04
